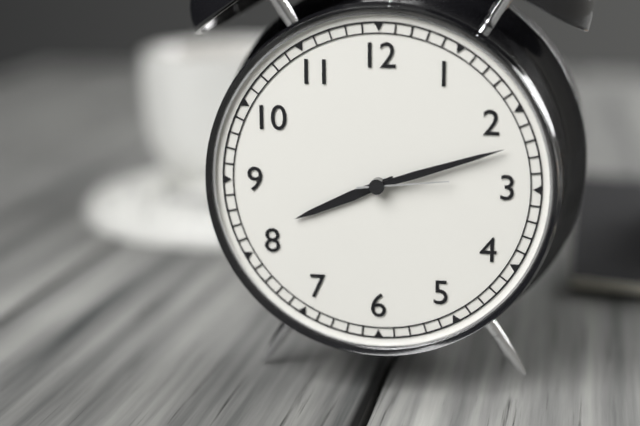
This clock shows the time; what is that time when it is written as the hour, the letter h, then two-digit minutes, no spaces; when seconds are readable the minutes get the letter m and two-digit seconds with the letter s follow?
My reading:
8h12m14s
